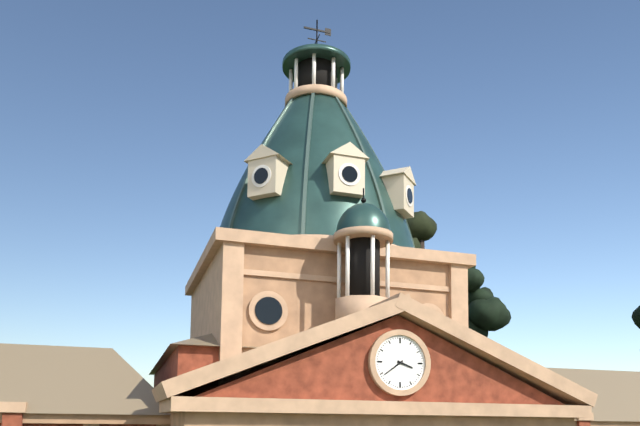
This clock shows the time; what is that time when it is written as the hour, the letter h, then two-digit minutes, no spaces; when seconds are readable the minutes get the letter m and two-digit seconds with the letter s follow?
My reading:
3h39
